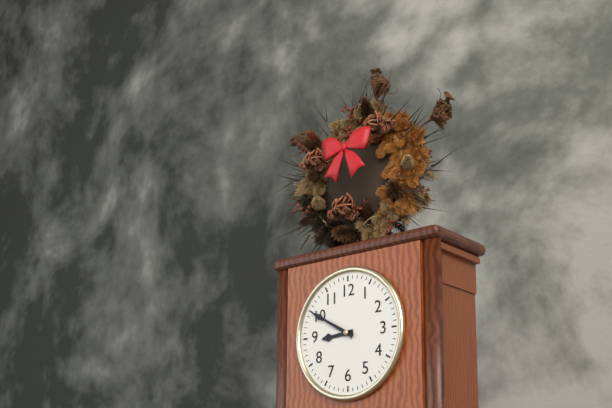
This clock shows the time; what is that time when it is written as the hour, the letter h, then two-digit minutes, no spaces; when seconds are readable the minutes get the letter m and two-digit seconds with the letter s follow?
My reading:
8h50
